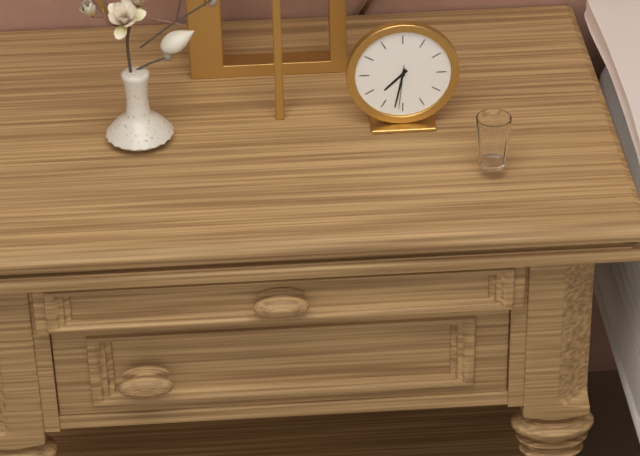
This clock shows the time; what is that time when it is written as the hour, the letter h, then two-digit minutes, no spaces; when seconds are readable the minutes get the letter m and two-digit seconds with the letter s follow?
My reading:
7h32
